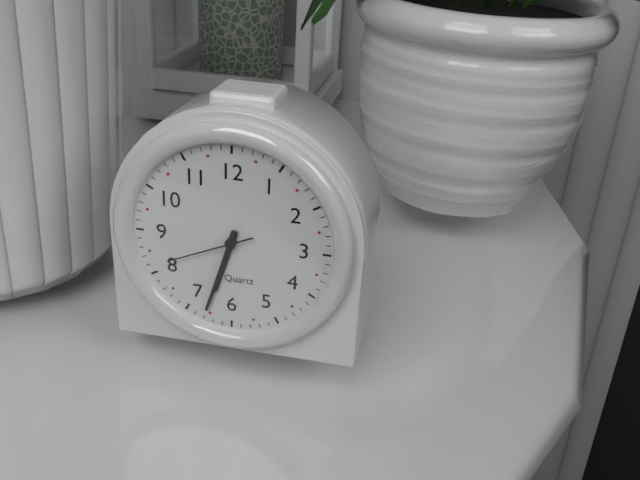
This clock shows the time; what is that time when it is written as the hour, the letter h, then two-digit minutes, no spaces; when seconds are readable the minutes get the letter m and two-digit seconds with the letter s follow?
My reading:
6h33m41s
